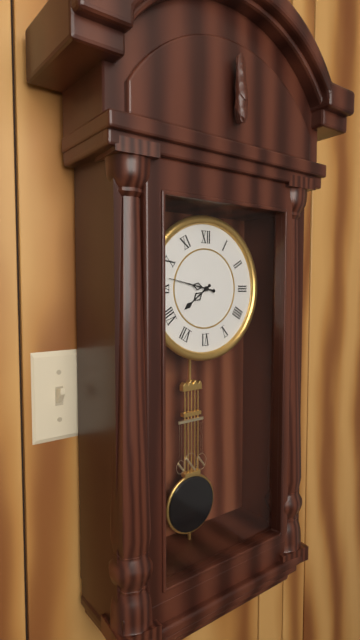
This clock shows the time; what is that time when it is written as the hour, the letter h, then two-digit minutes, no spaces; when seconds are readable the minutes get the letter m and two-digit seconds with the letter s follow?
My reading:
7h47
